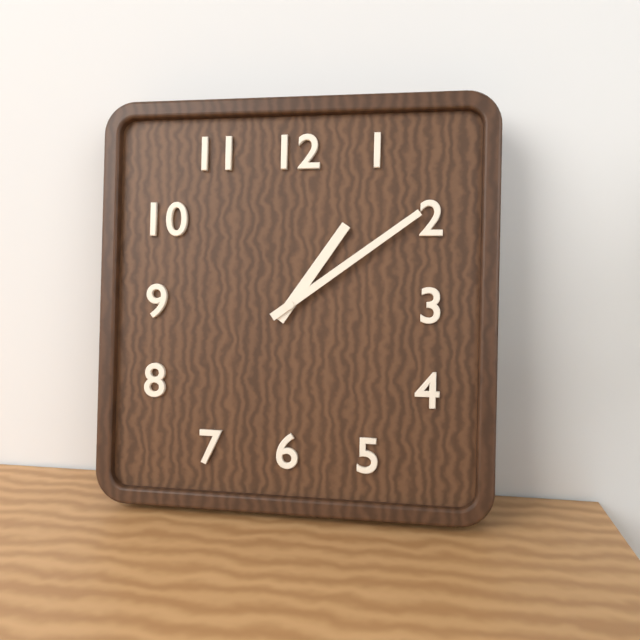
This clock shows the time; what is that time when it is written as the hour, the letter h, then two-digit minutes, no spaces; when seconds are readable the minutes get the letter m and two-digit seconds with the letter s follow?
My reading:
1h09
